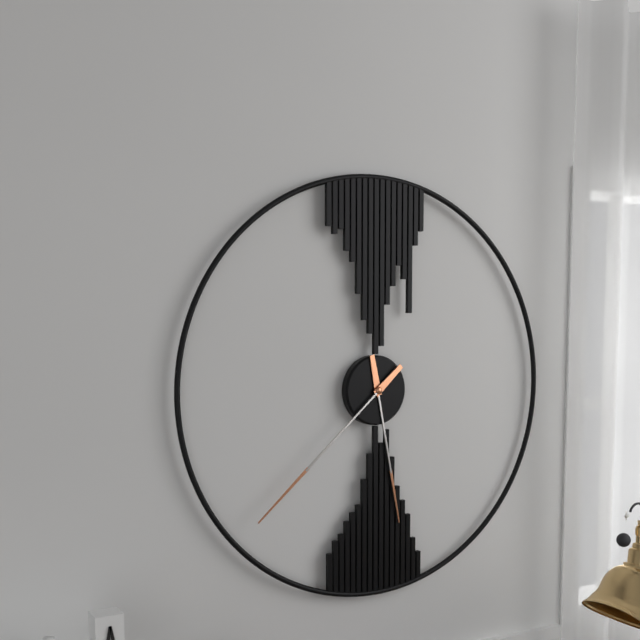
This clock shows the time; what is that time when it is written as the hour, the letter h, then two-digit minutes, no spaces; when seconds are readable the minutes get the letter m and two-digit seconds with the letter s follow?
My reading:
5h38
